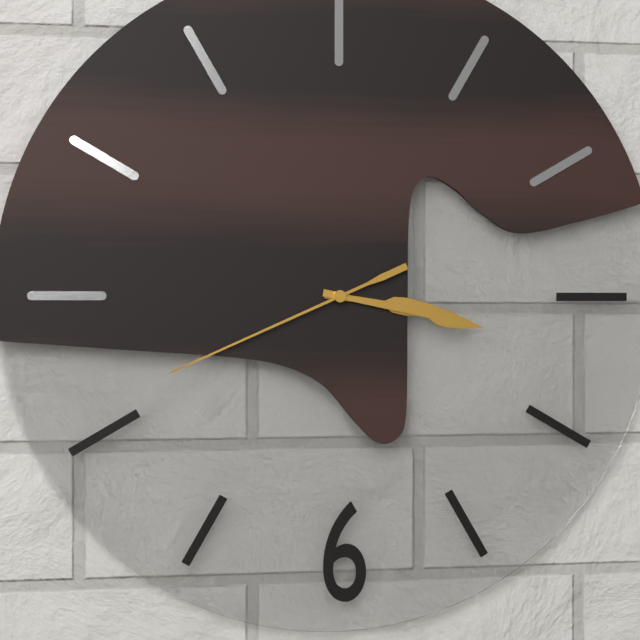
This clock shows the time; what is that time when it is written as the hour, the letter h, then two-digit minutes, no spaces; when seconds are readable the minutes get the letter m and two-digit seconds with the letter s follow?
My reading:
3h17m41s
